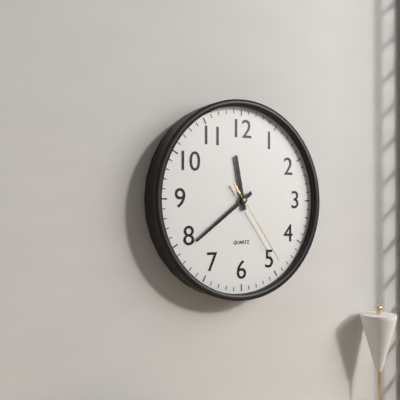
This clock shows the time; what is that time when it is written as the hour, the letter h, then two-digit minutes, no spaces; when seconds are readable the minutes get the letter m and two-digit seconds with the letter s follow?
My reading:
11h39m24s
